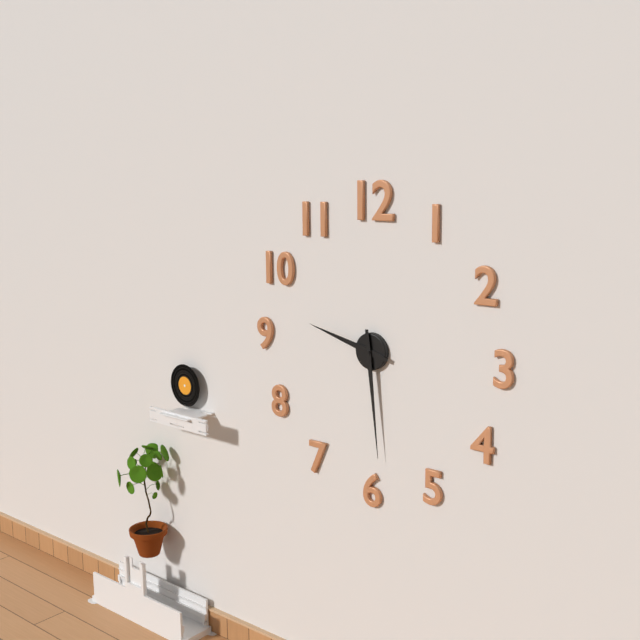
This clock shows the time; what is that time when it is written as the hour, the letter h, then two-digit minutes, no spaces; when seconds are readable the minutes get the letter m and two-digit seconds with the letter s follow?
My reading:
9h29
